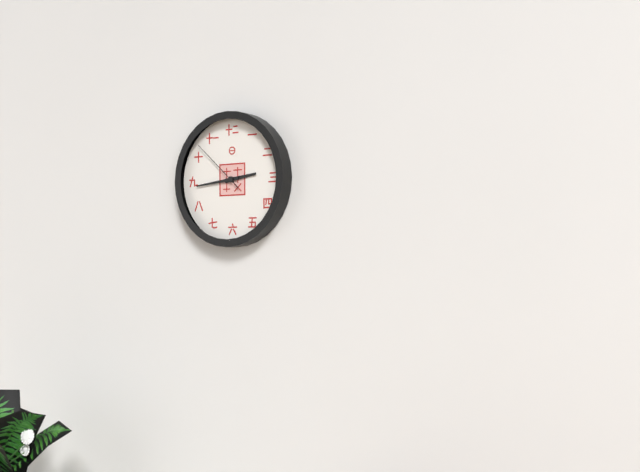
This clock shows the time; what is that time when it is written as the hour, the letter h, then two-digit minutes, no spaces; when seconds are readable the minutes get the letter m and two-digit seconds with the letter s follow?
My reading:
2h44m52s
